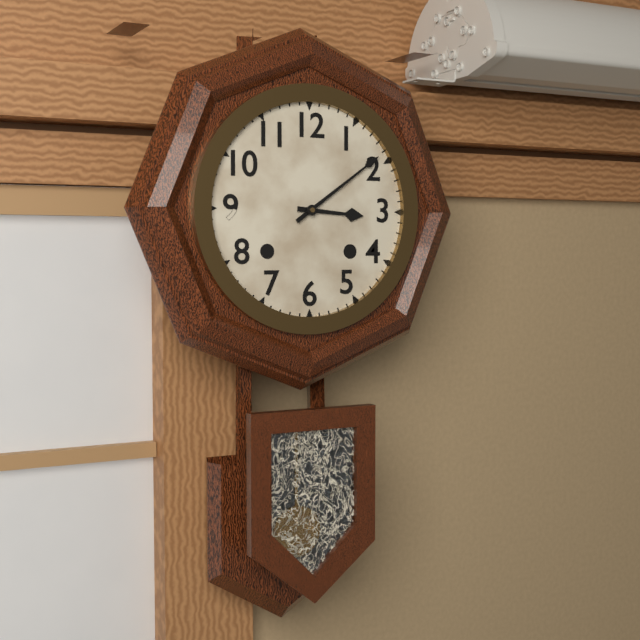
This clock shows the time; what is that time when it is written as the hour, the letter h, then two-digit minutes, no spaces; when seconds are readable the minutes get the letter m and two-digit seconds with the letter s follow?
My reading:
3h09
